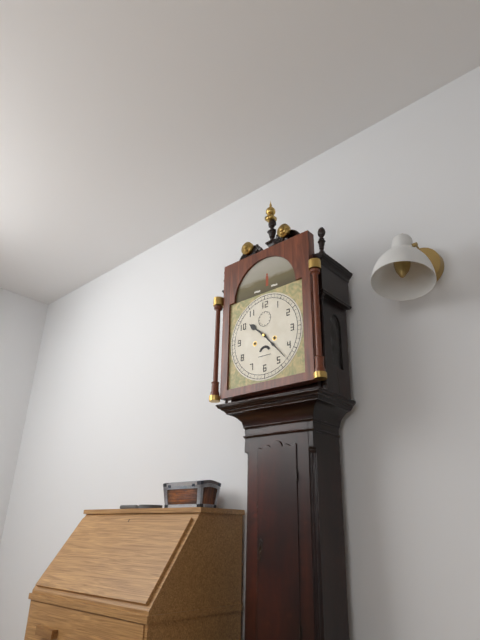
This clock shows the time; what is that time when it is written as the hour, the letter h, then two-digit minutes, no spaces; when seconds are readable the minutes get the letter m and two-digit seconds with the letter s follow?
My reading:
10h23
